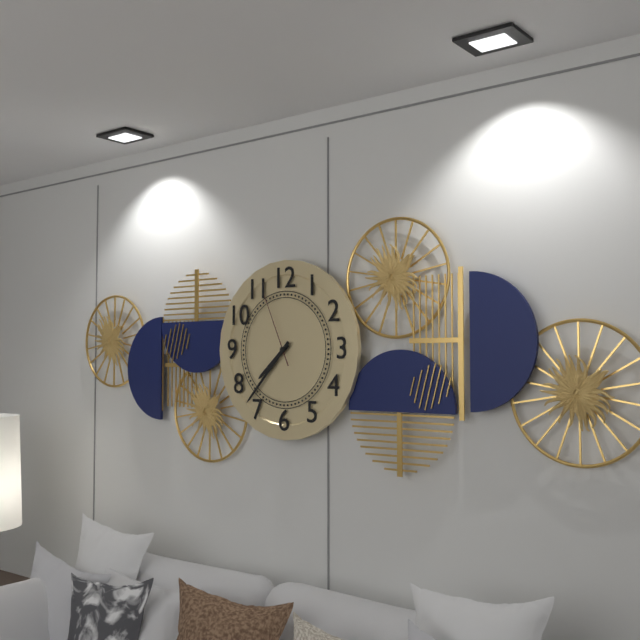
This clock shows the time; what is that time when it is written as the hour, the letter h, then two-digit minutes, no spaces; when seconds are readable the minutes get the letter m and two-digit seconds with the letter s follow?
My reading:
7h37m56s
